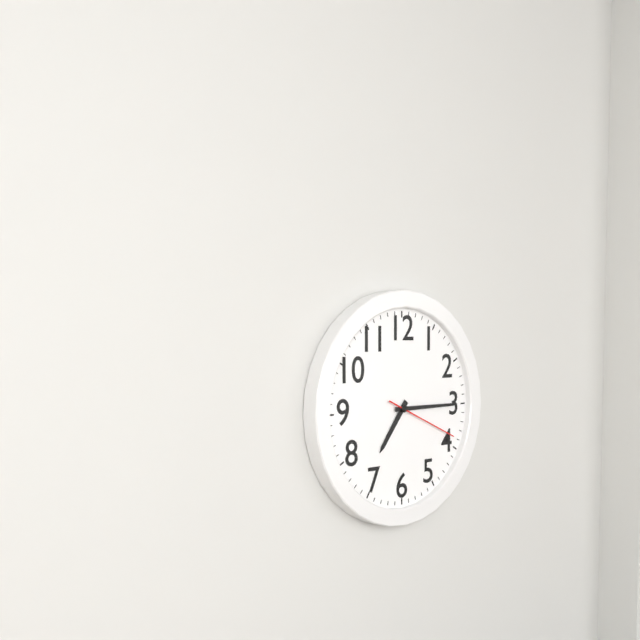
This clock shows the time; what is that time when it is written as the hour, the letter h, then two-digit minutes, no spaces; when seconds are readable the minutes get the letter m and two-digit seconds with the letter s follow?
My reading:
7h15m19s
